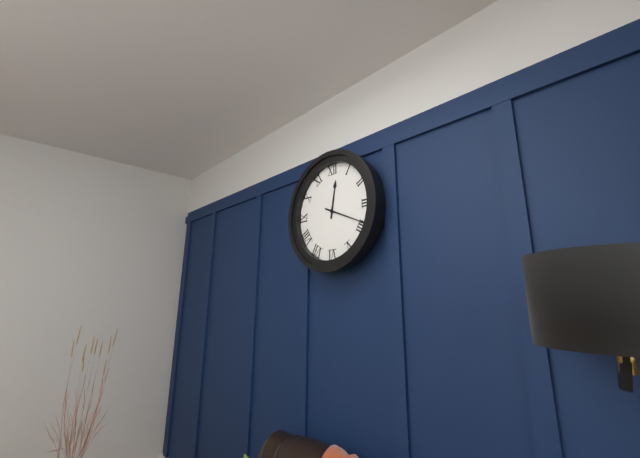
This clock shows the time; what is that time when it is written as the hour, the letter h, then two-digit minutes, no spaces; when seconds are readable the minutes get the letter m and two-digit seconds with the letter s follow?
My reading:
12h19
